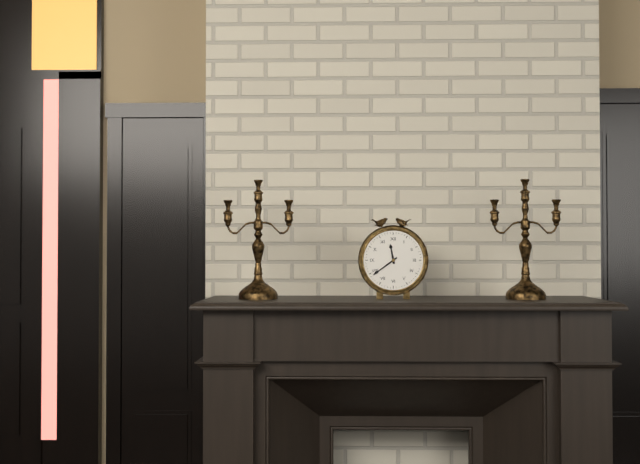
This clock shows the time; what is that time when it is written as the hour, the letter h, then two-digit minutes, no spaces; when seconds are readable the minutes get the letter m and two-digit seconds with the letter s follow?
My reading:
11h39
